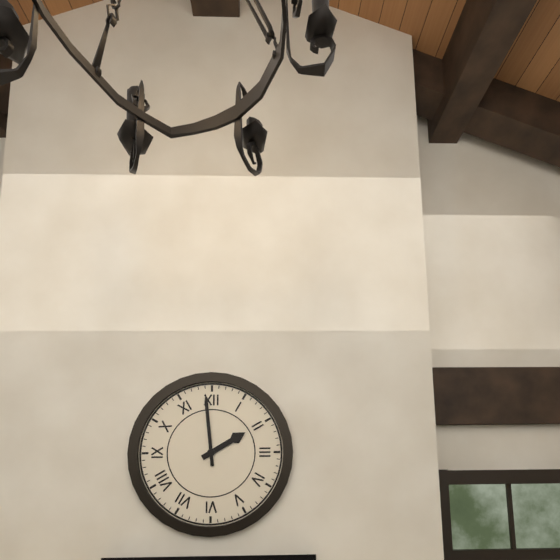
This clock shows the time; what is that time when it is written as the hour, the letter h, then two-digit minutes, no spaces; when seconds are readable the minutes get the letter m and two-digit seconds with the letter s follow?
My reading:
1h59
